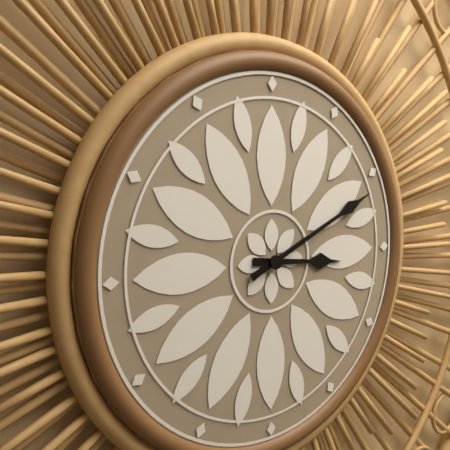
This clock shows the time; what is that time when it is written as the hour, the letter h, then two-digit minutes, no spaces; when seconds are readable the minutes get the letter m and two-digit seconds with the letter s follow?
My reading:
3h11
